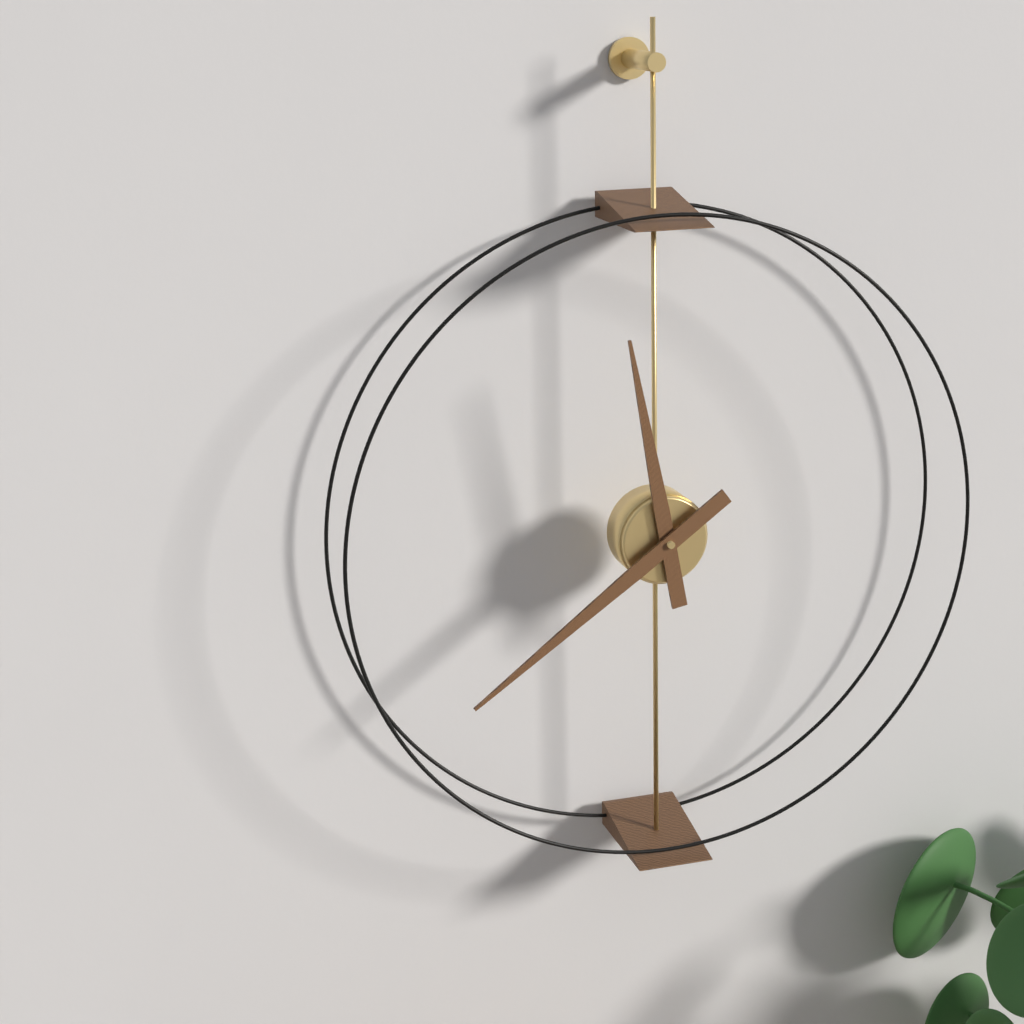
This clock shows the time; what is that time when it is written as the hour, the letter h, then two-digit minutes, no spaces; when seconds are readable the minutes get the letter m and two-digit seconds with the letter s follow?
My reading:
11h39
